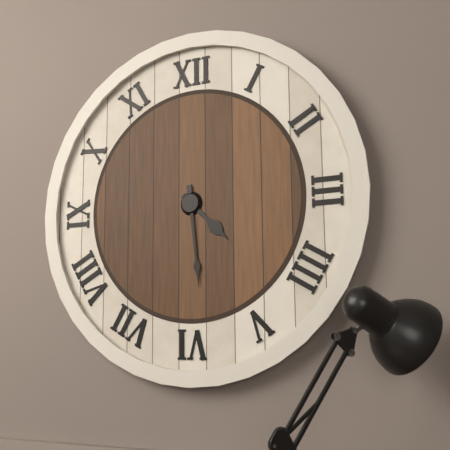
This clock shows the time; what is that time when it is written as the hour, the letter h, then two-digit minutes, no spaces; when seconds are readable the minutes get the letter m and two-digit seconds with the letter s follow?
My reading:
4h29
